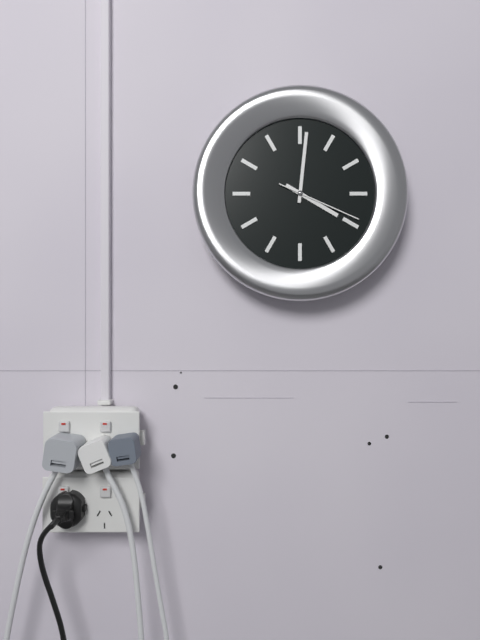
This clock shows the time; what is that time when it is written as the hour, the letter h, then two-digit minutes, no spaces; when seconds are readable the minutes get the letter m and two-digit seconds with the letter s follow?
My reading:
4h01m19s
